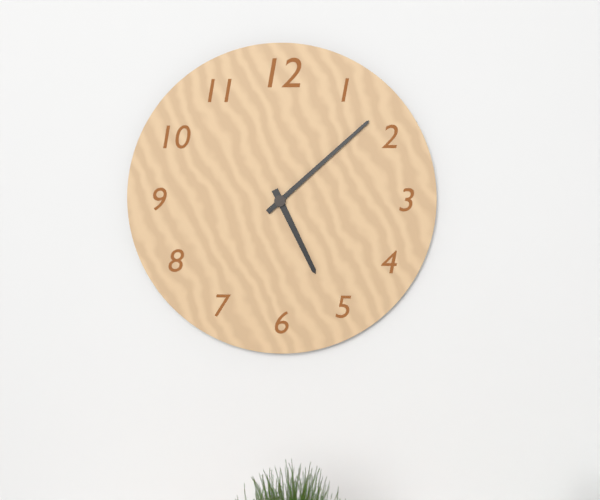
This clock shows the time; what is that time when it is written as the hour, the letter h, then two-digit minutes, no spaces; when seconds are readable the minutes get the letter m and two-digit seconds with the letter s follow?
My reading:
5h08
